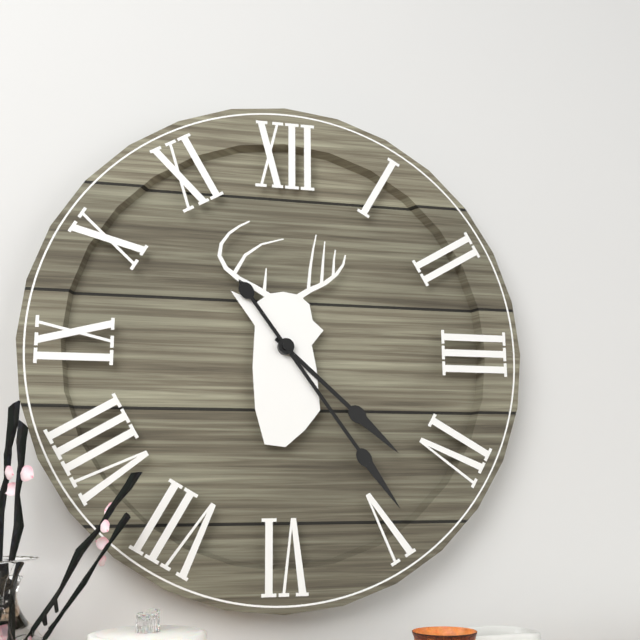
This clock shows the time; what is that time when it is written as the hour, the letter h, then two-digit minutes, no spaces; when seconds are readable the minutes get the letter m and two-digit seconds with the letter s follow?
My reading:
4h24
